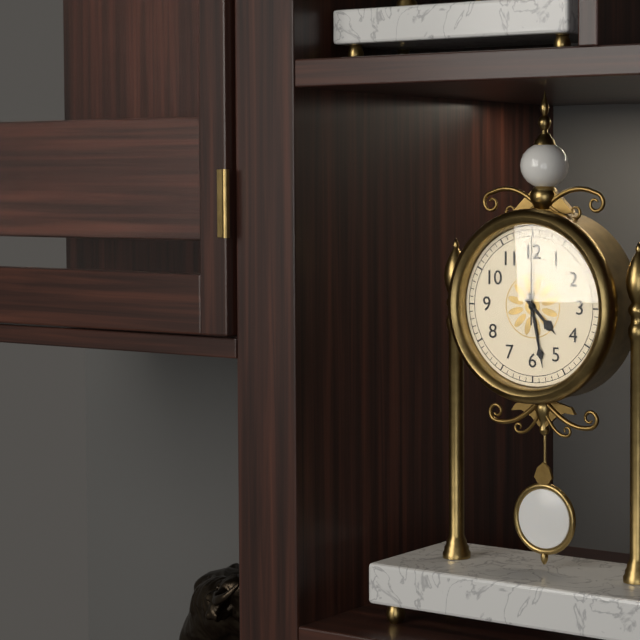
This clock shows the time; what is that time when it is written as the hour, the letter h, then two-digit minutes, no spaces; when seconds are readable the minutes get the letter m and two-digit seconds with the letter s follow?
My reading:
4h28m00s
